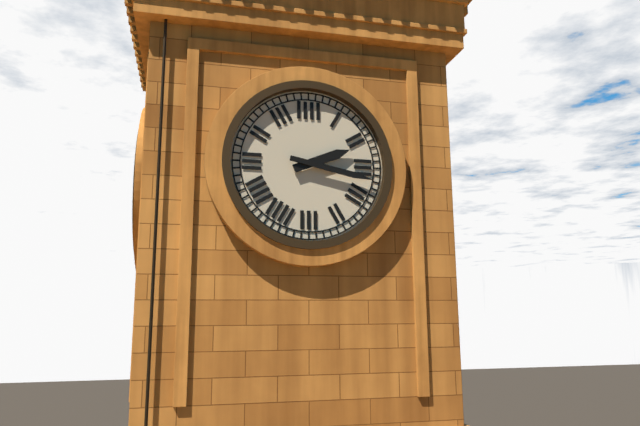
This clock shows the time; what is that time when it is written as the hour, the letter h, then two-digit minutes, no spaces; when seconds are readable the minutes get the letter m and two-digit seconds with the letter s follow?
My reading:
2h17
